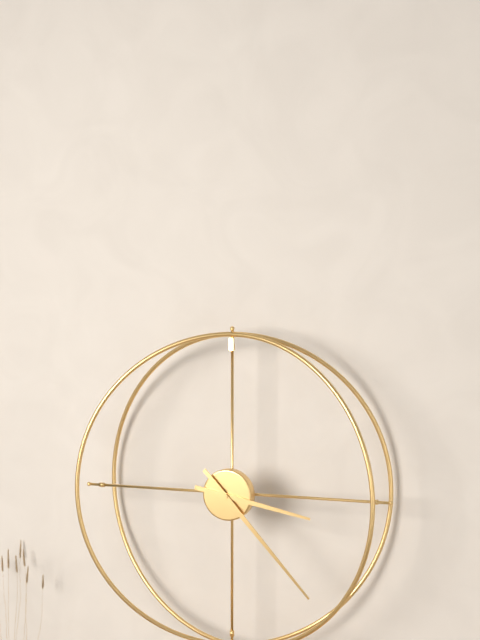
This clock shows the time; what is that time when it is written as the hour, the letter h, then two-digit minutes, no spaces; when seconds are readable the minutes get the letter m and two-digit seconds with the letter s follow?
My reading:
3h23
